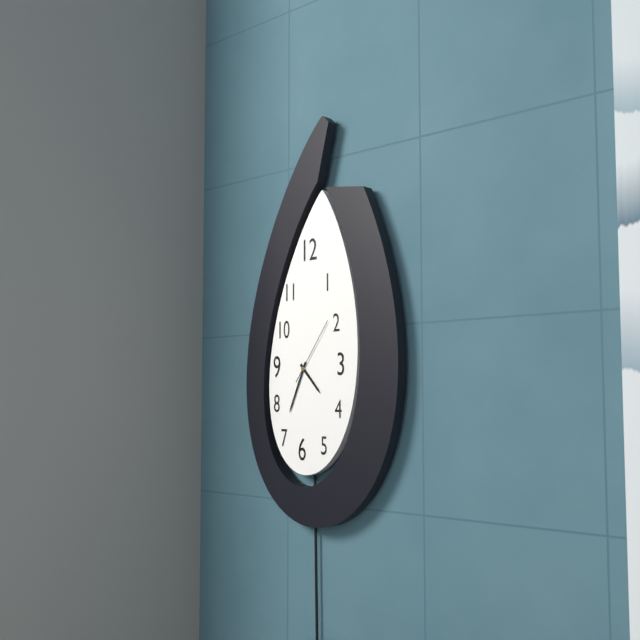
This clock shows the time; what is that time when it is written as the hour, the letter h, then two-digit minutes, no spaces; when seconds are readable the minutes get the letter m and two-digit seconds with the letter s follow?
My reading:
4h34m06s
